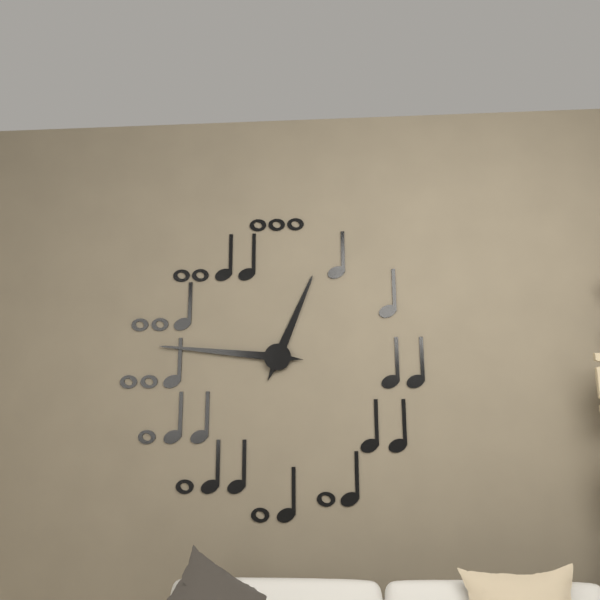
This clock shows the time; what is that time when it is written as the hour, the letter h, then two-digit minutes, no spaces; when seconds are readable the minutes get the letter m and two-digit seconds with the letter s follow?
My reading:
12h46
